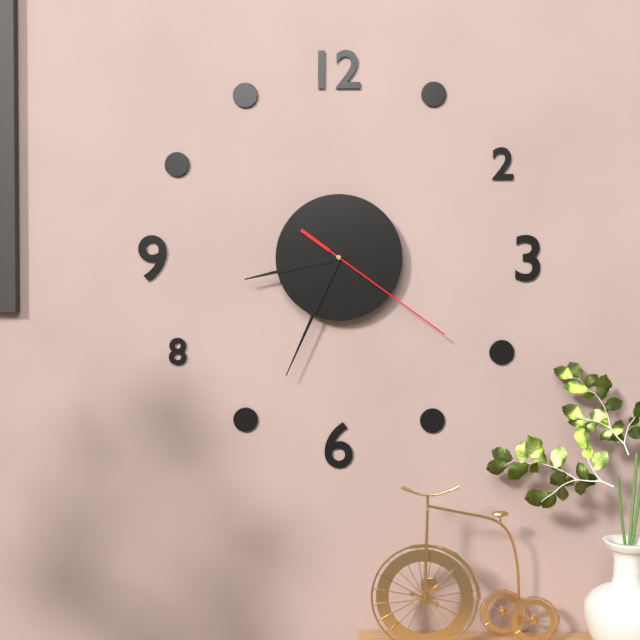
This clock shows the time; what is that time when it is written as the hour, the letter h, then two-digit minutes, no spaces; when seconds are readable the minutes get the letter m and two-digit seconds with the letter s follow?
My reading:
8h34m21s
